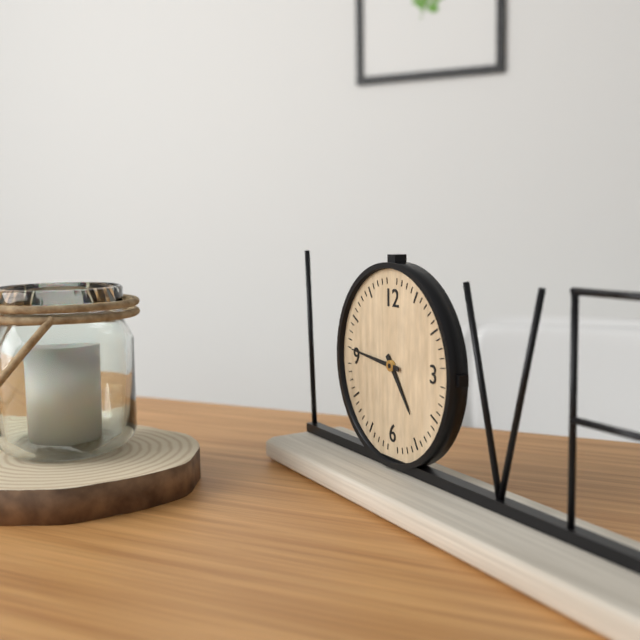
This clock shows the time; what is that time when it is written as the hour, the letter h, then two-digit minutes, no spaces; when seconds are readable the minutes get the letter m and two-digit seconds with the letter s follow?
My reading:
4h46
